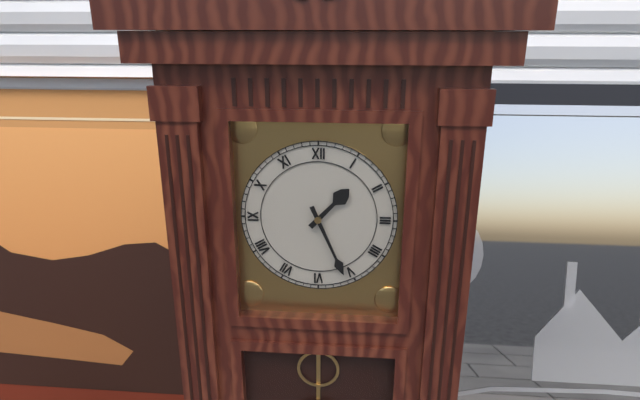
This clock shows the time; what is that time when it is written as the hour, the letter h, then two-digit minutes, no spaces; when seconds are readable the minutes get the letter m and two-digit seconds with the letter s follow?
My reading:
1h26
